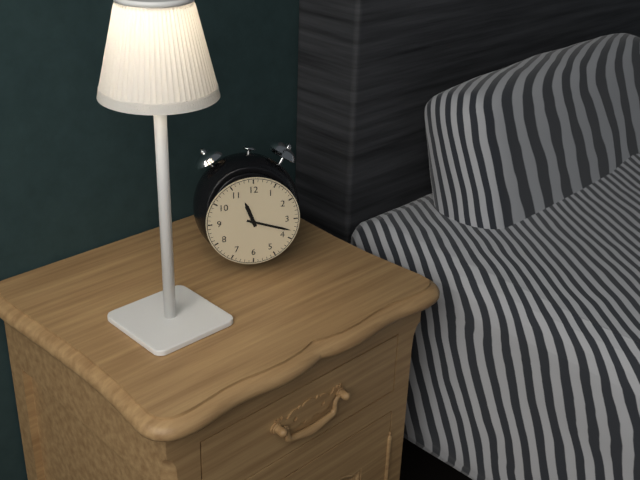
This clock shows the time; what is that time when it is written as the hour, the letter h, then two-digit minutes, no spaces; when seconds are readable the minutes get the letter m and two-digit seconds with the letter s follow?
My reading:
11h18
